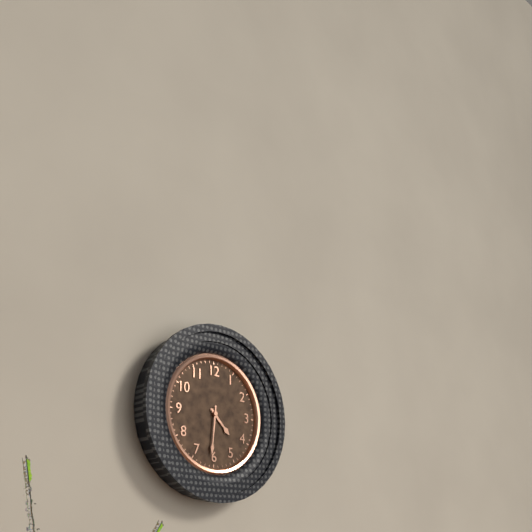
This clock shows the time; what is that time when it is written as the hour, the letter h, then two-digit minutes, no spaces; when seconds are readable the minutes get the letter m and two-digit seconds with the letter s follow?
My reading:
4h31
